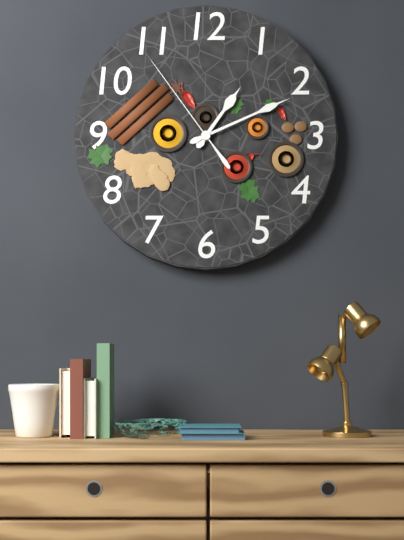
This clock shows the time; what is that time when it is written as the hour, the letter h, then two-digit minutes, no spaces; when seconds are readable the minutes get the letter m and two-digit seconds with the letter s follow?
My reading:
1h11m54s
